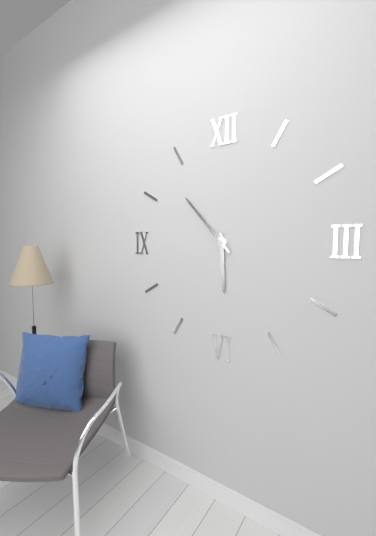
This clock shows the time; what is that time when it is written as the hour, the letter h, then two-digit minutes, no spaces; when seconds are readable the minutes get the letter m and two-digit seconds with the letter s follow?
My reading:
5h53
